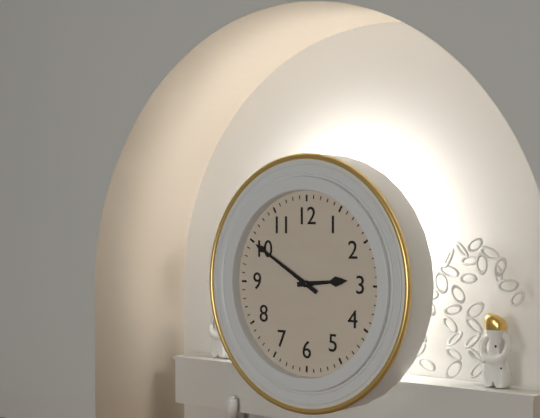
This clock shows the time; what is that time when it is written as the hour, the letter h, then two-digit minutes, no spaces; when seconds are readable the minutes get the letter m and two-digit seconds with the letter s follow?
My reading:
2h50
